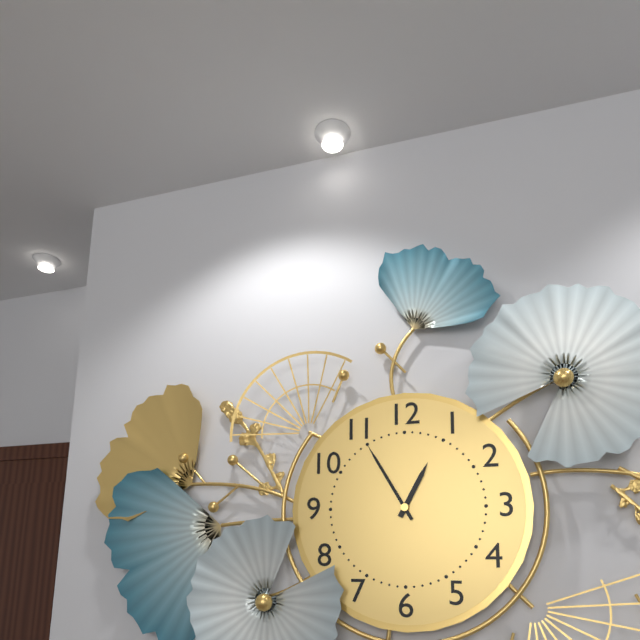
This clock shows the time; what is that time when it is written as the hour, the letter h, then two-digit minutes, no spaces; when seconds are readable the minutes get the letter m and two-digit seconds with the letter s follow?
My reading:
12h55
